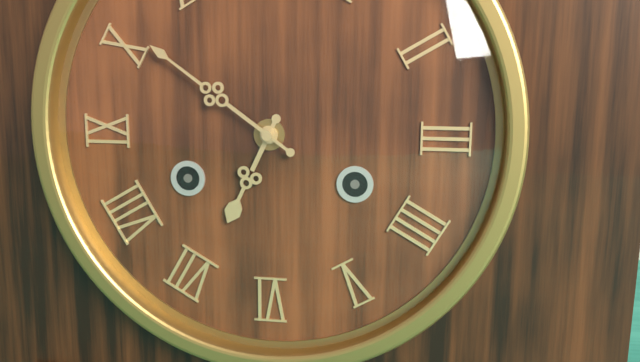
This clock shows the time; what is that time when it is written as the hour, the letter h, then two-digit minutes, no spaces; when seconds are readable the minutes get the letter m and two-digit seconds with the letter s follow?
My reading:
6h51
